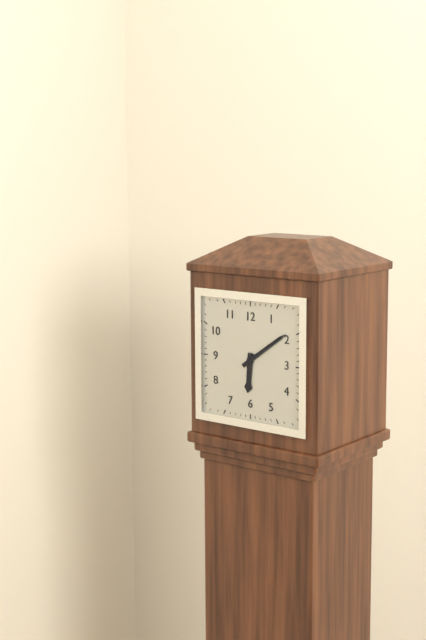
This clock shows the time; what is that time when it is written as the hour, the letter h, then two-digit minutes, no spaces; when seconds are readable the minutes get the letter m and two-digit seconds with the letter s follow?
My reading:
6h09
